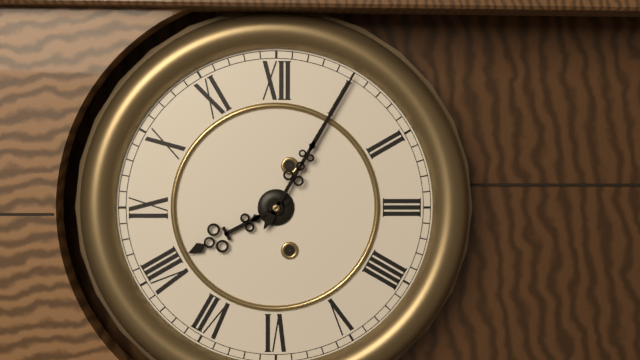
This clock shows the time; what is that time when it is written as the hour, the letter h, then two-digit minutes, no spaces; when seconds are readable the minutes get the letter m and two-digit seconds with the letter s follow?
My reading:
8h05
